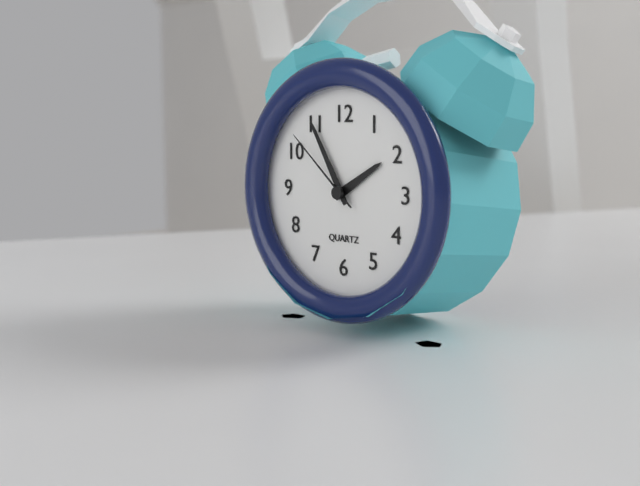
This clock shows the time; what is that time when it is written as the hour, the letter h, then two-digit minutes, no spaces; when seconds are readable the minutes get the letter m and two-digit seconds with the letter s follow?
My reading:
1h55m52s
